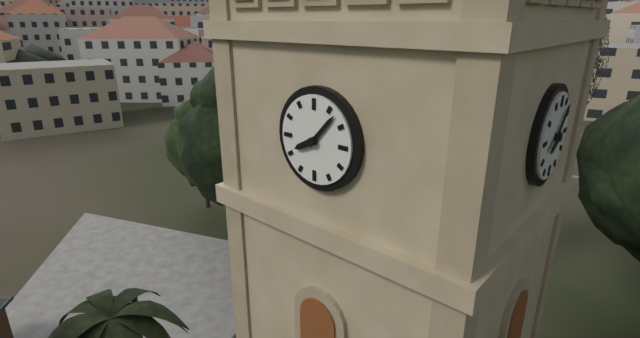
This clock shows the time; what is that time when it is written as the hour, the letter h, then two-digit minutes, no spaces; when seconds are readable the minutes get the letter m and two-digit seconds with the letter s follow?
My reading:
8h07
